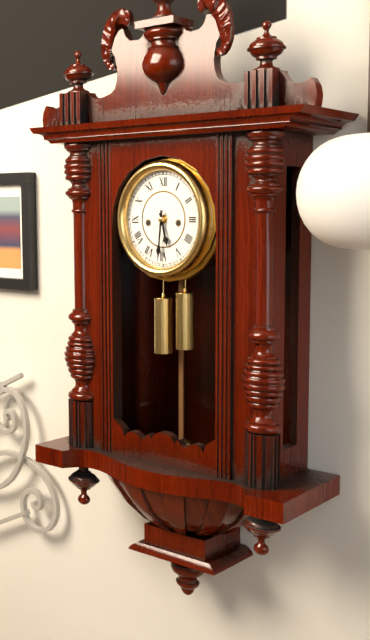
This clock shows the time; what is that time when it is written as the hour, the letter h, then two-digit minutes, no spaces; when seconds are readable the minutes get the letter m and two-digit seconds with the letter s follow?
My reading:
5h31
